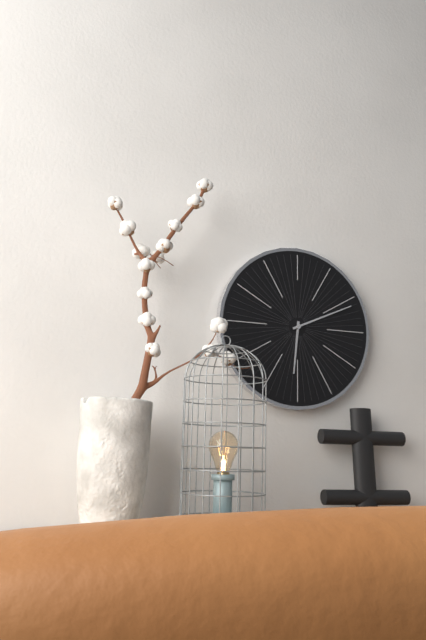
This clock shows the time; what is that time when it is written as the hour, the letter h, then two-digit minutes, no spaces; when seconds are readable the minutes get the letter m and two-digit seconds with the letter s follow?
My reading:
6h11
